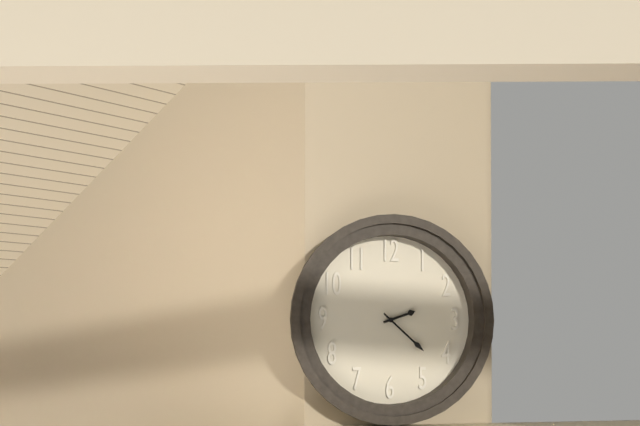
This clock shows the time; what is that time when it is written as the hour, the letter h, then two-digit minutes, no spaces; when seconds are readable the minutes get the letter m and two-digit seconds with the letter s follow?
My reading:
2h22
